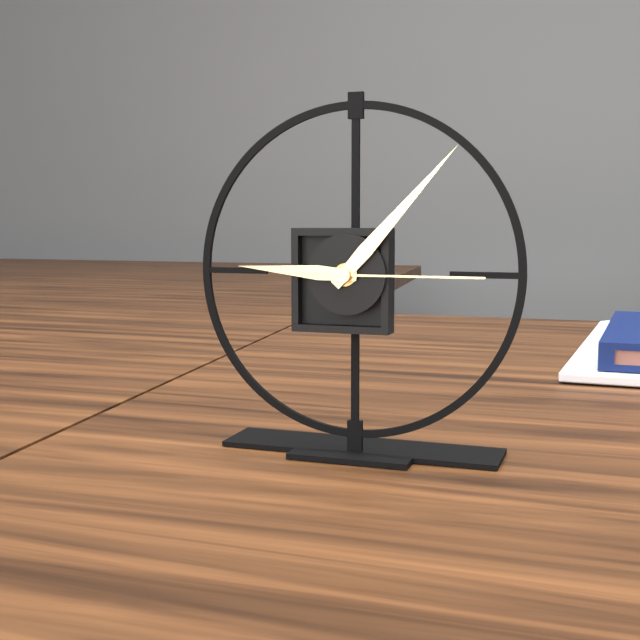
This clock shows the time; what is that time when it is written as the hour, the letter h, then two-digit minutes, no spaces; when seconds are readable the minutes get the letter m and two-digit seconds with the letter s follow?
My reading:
9h07m15s
